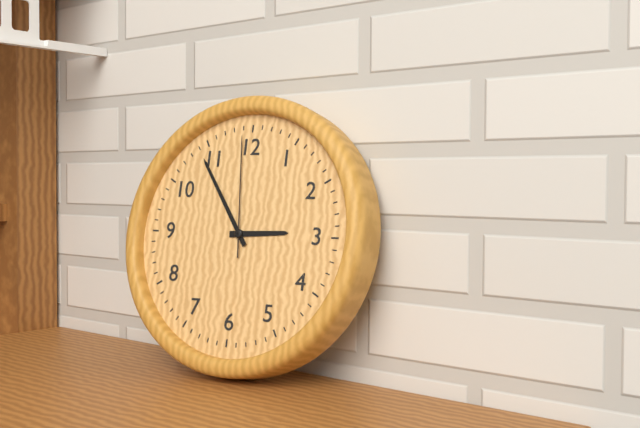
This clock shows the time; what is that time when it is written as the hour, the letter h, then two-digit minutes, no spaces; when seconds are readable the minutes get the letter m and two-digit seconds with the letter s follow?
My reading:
2h54m59s
